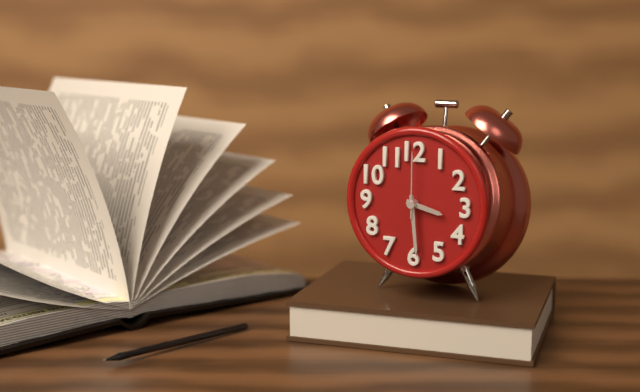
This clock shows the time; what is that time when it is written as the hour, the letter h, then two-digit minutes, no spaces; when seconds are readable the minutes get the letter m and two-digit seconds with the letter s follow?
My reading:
3h29m00s
